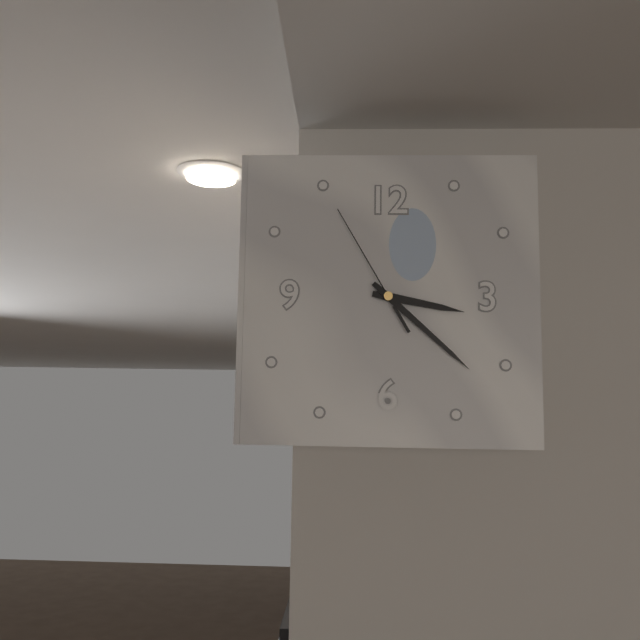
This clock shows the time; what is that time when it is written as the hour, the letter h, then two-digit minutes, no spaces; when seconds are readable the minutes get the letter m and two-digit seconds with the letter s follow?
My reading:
3h22m55s
